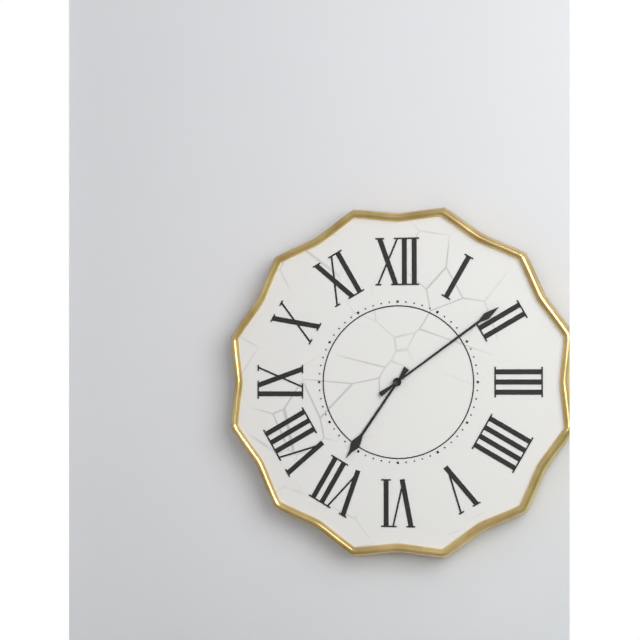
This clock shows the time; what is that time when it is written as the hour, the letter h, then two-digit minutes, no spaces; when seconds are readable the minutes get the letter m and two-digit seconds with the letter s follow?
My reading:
7h09
